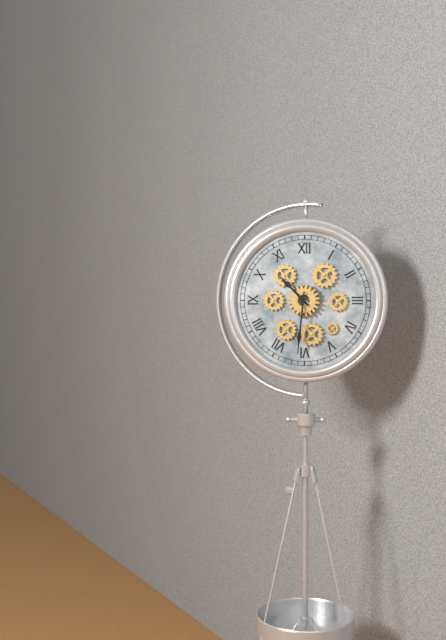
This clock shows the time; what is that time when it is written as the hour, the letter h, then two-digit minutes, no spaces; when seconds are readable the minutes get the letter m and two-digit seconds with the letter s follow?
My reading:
10h31
